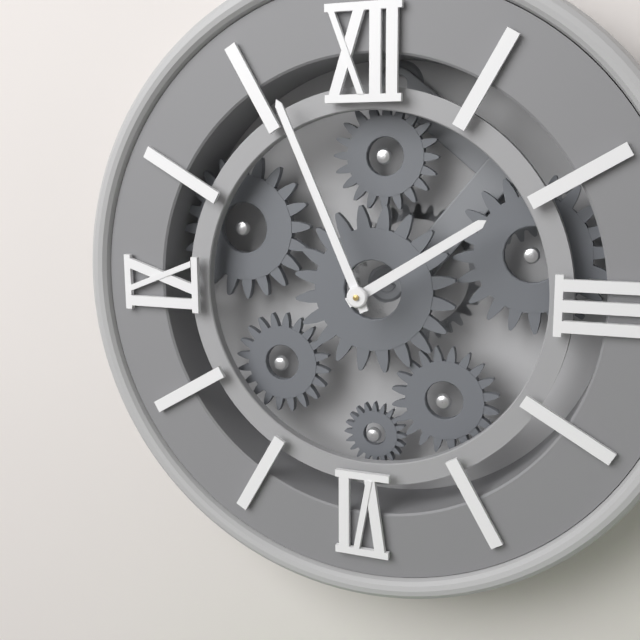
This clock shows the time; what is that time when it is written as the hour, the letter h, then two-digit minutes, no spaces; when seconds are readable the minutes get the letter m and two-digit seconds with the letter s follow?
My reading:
1h56
